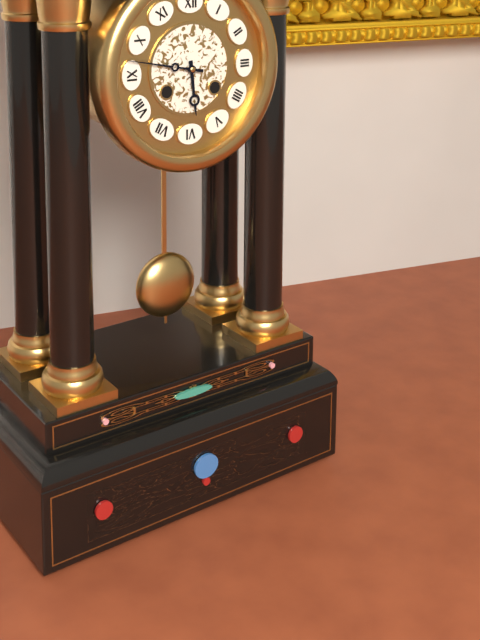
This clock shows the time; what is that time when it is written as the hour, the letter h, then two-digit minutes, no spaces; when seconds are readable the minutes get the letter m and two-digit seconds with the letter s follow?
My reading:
5h47
